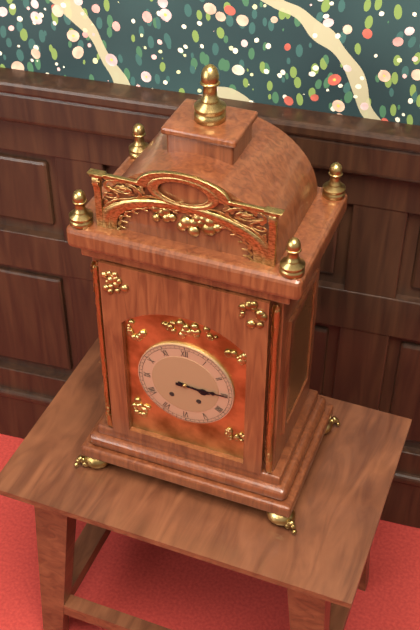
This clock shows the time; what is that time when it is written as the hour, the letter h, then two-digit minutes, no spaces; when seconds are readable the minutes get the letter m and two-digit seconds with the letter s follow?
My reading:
3h15
